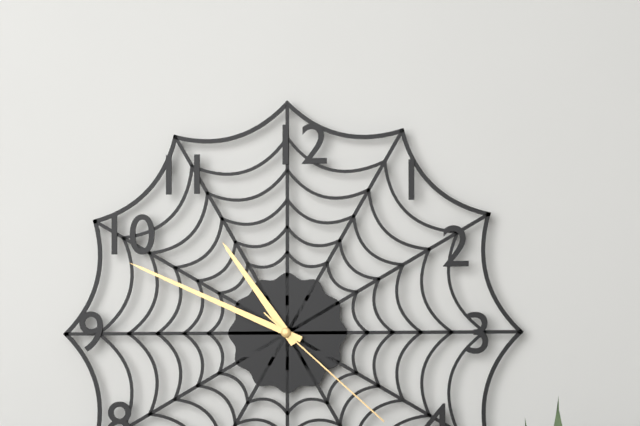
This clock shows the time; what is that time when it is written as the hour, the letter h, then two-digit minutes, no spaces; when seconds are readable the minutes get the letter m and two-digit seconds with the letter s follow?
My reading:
10h49m22s
